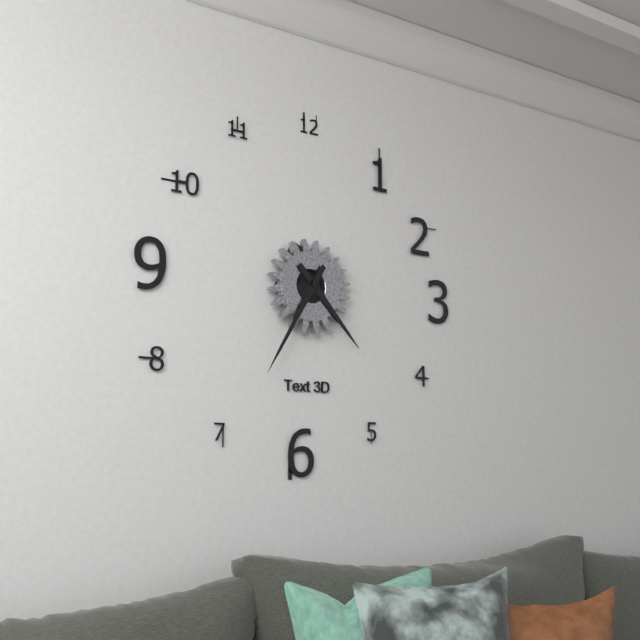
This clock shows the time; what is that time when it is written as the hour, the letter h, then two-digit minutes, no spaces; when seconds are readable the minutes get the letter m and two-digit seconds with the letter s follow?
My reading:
4h35
